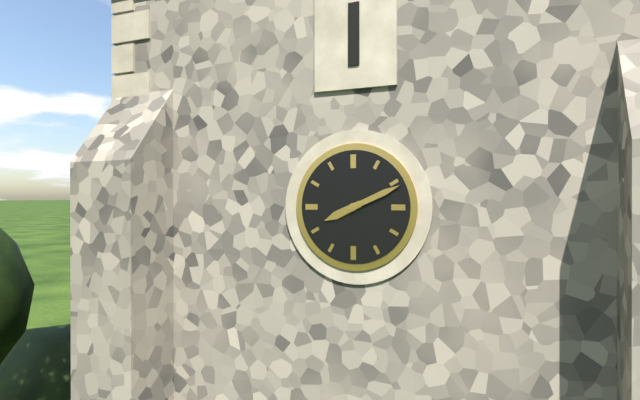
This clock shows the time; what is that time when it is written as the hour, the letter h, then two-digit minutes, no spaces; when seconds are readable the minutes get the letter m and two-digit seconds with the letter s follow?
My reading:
8h11
